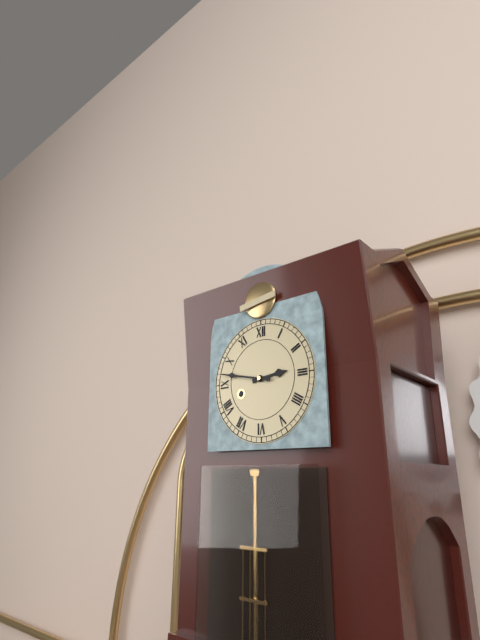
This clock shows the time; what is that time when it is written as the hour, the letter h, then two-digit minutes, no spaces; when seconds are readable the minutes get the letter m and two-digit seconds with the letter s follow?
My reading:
2h47
